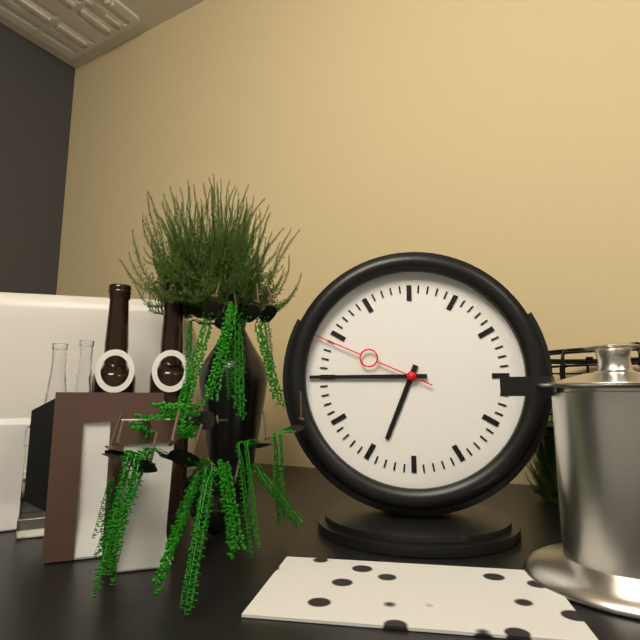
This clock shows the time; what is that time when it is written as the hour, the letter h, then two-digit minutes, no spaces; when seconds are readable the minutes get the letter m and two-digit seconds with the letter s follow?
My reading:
6h45m49s
